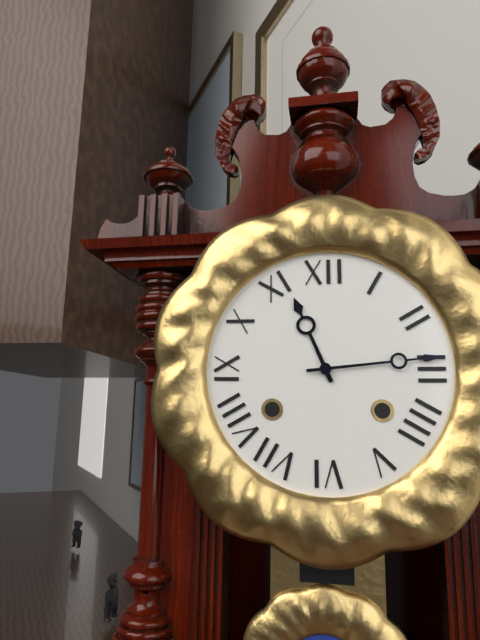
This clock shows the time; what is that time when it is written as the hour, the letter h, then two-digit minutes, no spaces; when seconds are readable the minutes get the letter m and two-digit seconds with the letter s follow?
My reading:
11h14
